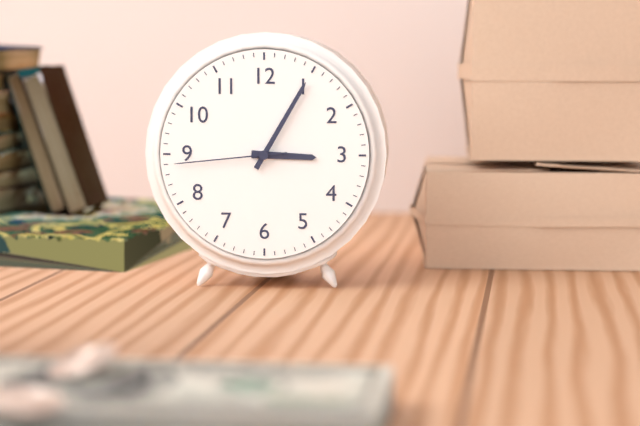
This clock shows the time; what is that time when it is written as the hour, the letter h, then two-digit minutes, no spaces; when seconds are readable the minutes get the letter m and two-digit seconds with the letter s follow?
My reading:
3h05m44s
